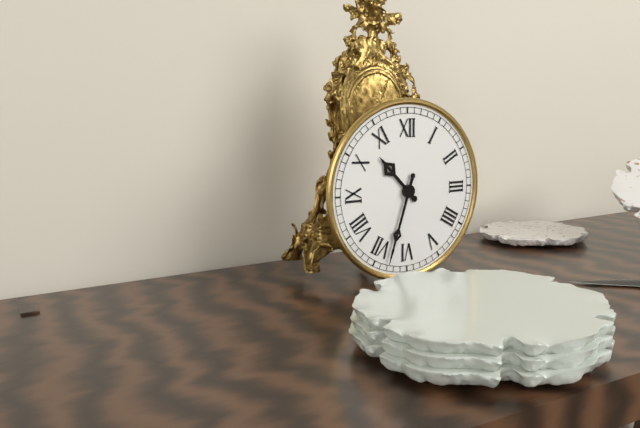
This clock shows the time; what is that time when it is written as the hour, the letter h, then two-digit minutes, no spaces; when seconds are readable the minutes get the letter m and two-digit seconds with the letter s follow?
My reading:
10h33
